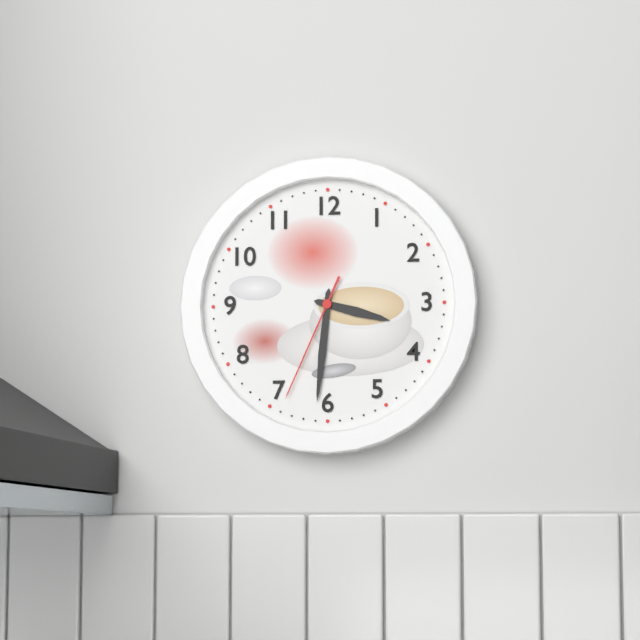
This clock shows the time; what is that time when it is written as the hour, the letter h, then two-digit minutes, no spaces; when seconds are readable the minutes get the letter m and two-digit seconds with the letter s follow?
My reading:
3h31m34s
